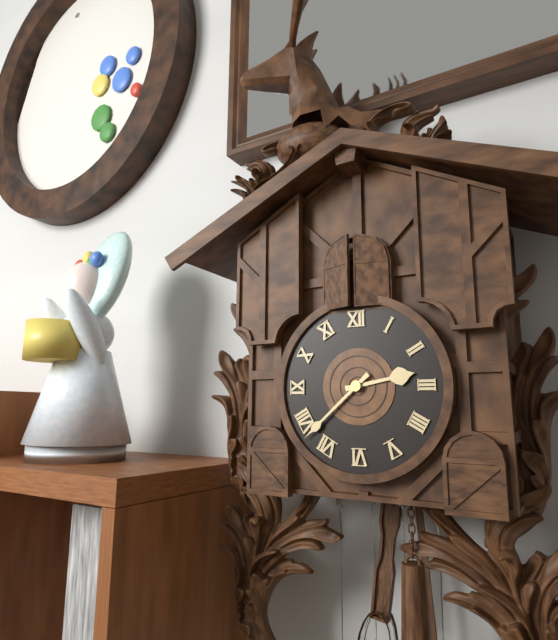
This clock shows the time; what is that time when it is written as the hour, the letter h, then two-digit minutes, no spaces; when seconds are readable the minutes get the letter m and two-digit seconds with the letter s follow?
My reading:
2h38
